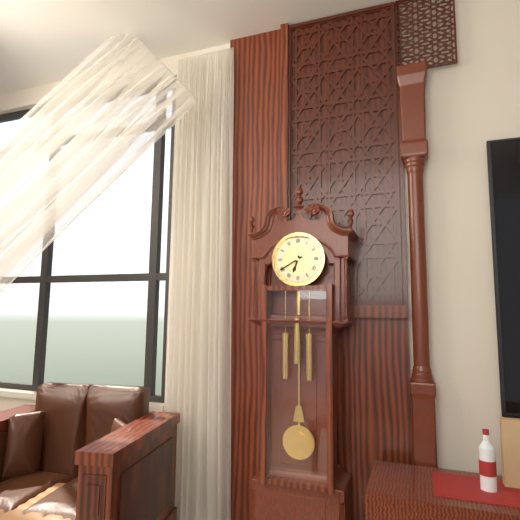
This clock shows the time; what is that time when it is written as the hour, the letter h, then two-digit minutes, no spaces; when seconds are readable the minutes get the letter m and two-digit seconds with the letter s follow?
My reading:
6h40
